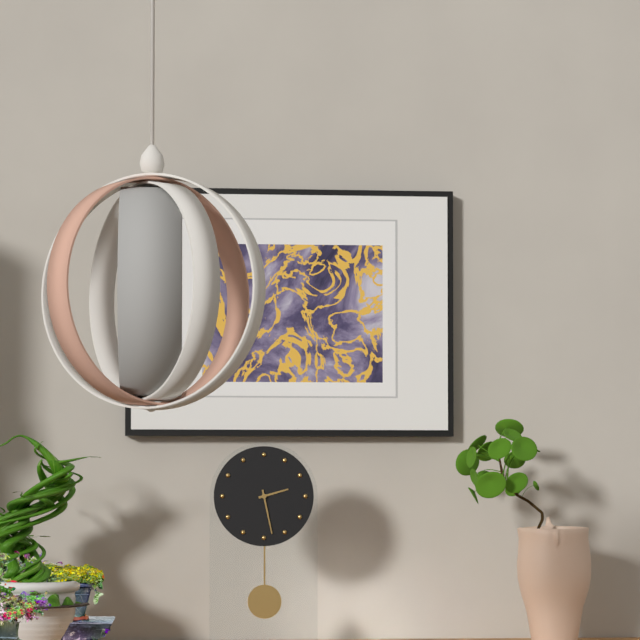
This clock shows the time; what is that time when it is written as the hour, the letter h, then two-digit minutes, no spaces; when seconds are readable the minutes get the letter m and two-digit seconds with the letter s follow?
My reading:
2h28
